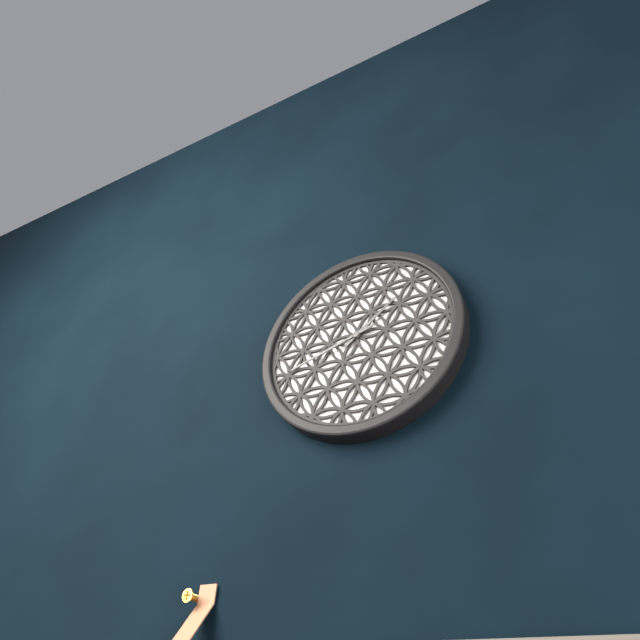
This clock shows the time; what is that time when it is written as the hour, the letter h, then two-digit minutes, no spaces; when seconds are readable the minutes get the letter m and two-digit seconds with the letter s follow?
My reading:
1h42
